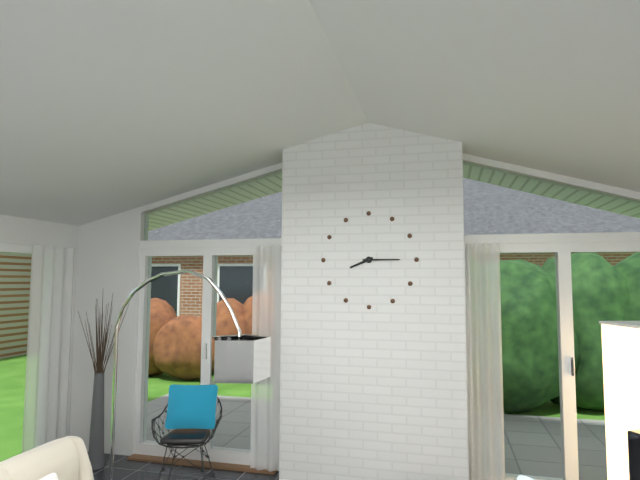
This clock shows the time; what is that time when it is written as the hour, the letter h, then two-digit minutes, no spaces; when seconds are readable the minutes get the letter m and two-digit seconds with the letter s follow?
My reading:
8h15
